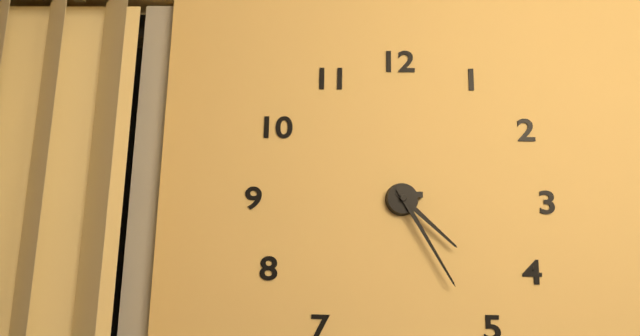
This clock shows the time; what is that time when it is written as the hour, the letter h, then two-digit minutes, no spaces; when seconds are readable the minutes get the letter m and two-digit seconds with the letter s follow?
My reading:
4h25
